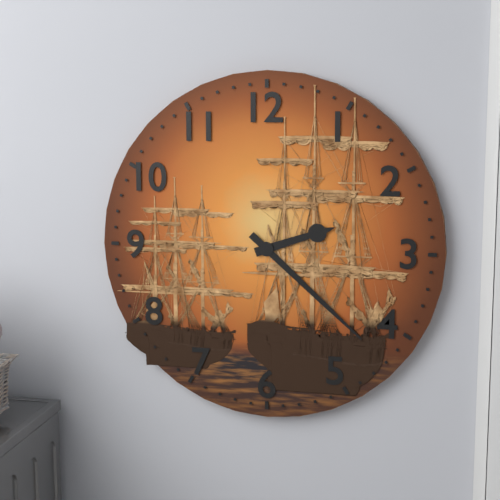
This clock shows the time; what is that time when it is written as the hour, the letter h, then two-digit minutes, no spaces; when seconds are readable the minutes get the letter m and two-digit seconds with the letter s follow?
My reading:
2h22
